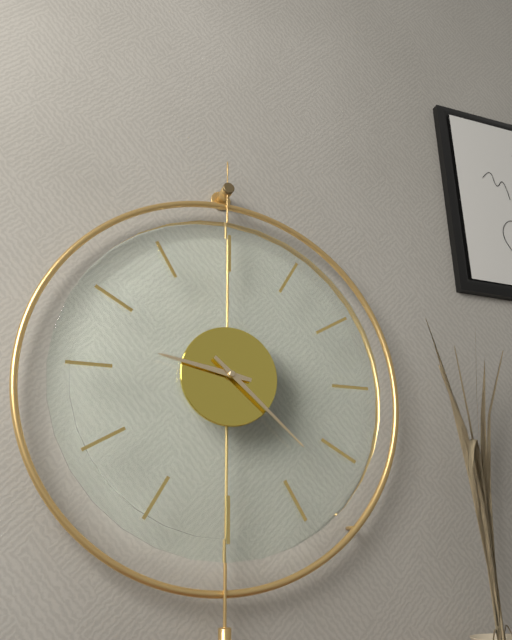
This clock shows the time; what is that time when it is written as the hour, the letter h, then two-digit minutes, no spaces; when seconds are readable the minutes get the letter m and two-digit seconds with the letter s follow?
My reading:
9h22
